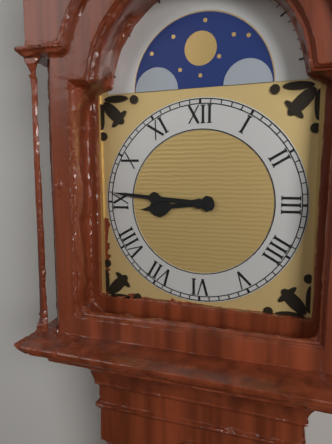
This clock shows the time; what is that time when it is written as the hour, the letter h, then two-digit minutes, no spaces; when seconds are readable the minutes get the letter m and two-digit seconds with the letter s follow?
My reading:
8h46
